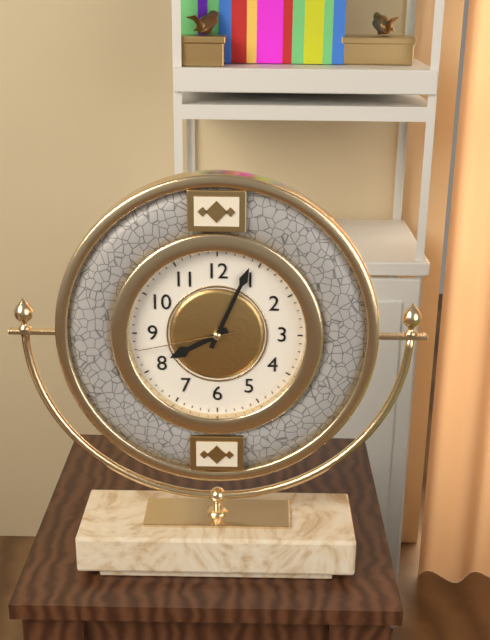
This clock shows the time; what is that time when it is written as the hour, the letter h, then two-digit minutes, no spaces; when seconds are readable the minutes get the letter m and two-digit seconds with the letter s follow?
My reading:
8h04m43s
